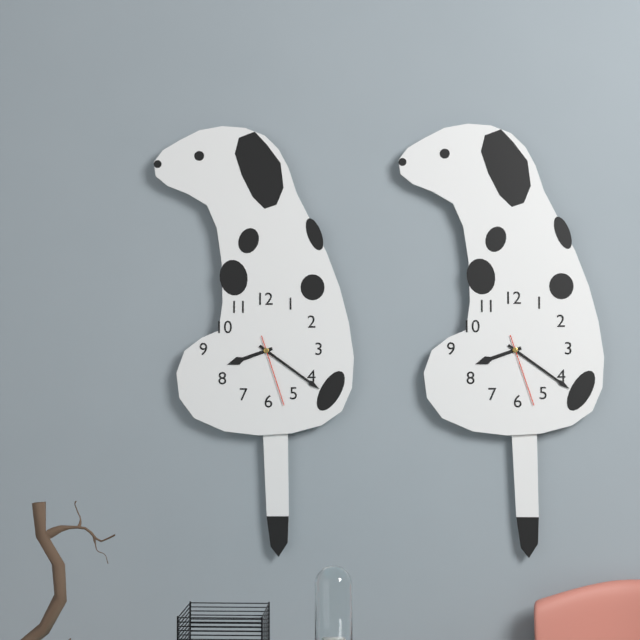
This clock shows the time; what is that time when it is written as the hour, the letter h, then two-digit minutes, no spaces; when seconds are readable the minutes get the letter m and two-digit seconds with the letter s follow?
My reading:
8h21m27s
